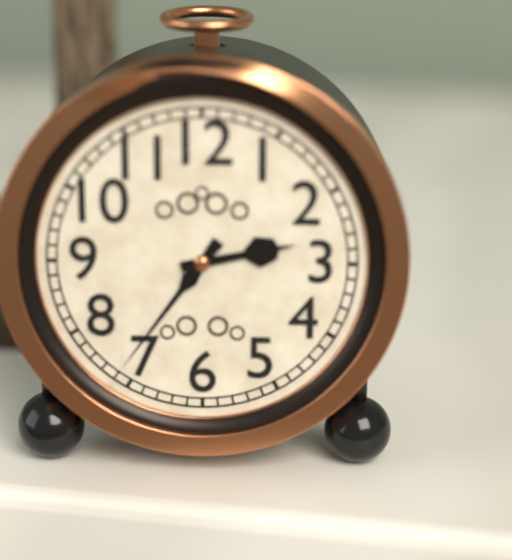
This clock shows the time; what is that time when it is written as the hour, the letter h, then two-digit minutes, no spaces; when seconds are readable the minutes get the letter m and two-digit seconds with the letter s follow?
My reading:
2h36
